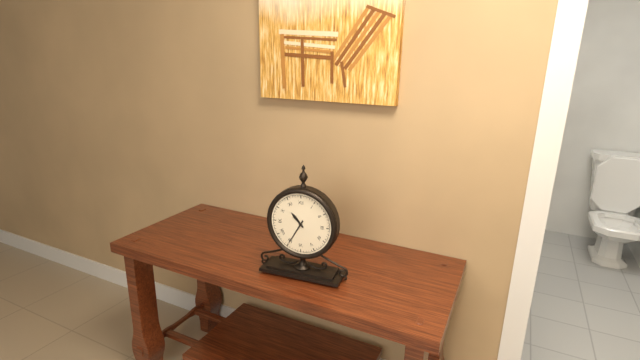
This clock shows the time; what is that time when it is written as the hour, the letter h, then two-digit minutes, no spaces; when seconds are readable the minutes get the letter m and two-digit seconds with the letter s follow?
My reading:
10h35
